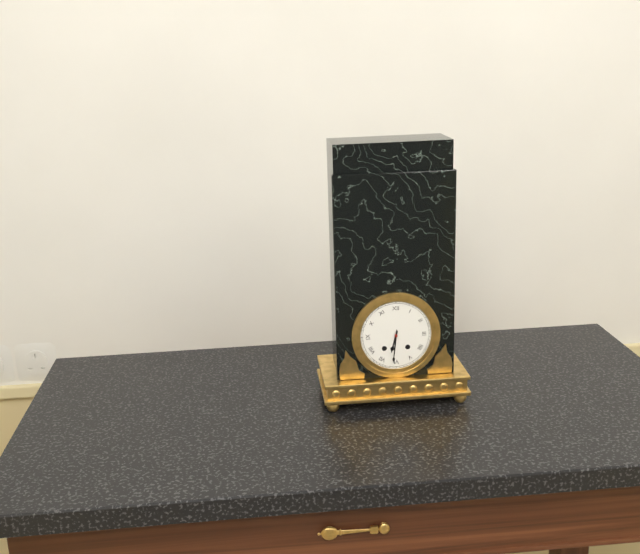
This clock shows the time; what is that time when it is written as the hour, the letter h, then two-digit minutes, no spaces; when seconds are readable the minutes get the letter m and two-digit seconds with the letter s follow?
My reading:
6h31
